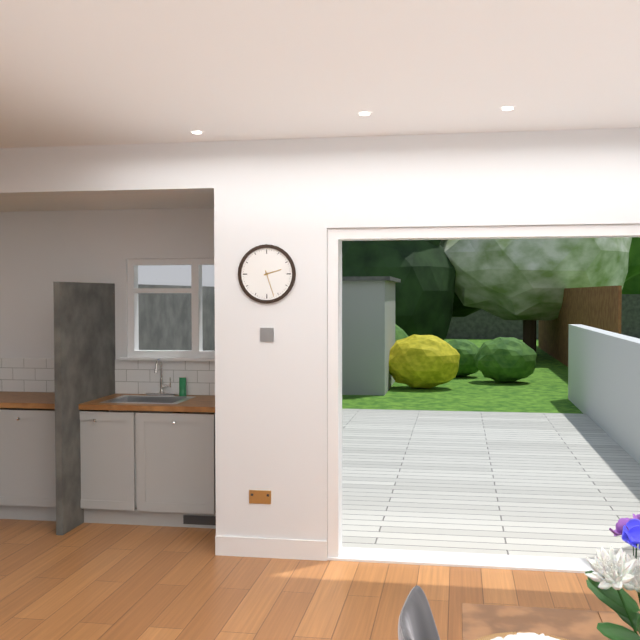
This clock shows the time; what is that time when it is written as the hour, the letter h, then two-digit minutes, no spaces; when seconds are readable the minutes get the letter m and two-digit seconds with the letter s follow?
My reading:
2h27
